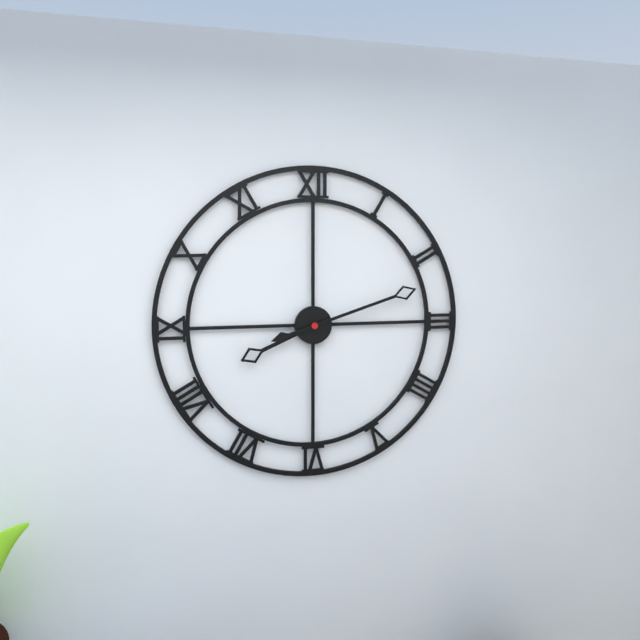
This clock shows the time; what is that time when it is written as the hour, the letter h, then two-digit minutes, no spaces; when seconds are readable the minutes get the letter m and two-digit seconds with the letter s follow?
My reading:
8h12
